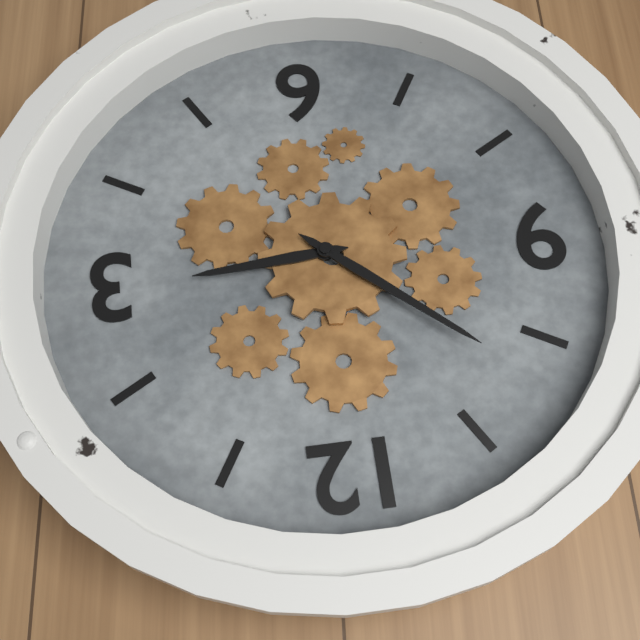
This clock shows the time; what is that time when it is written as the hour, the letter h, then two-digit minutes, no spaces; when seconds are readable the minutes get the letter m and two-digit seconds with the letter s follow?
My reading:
2h52
